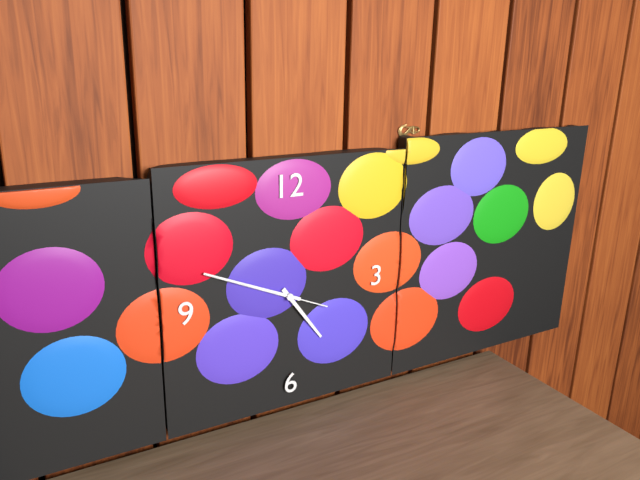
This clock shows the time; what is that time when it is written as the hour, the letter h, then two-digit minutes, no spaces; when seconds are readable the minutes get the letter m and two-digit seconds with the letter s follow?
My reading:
4h49m49s
